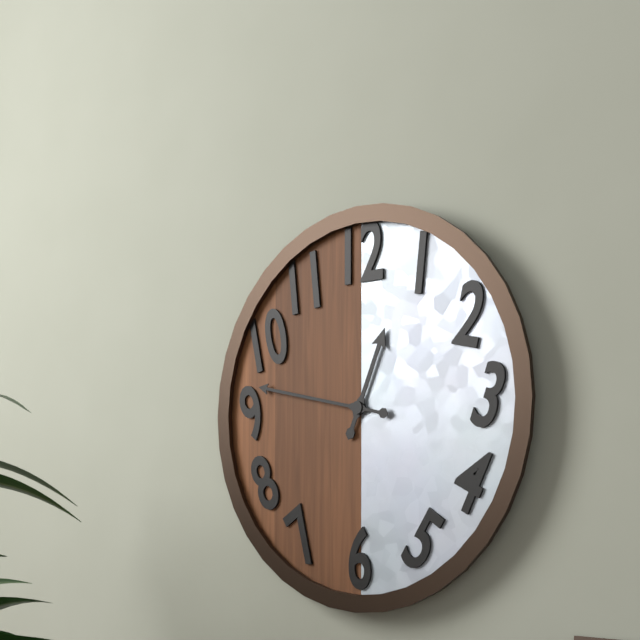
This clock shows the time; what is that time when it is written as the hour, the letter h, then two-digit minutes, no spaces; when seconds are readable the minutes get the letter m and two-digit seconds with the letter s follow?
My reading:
12h47
